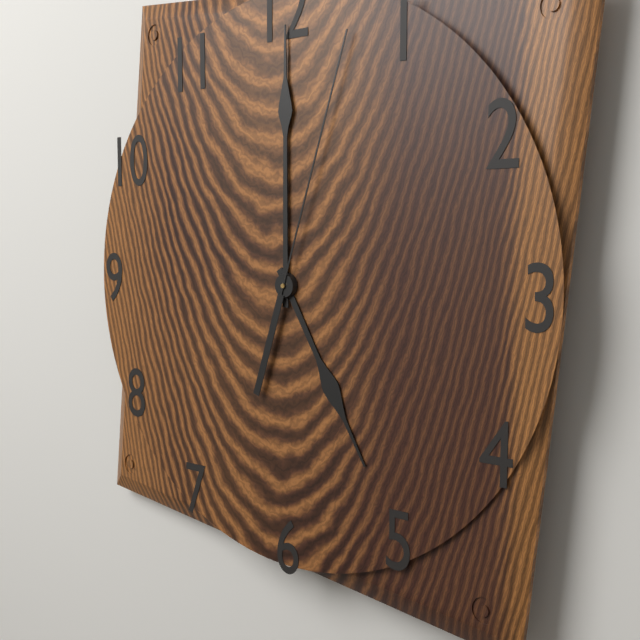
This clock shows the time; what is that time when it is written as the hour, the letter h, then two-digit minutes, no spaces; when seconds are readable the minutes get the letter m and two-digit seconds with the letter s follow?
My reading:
5h00m03s
